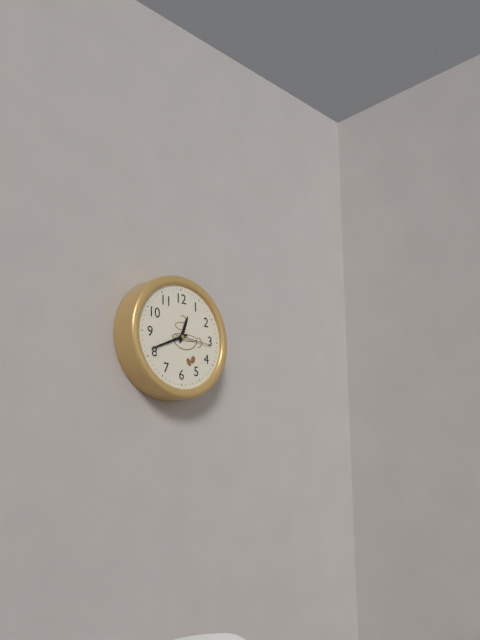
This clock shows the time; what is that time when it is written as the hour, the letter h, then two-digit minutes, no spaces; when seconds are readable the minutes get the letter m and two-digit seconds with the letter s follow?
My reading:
12h41
